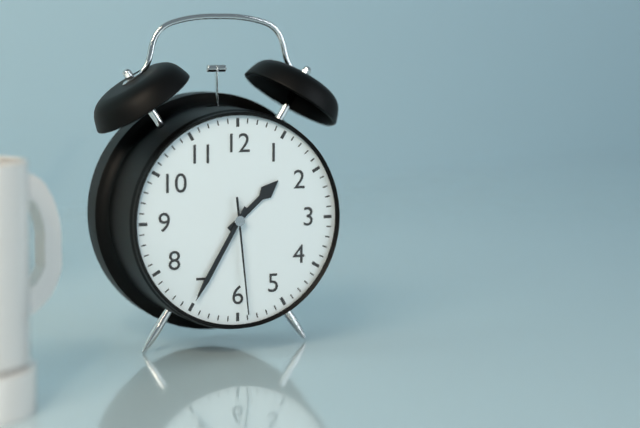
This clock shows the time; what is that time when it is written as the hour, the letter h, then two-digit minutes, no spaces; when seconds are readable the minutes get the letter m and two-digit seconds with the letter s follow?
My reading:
1h35m29s
